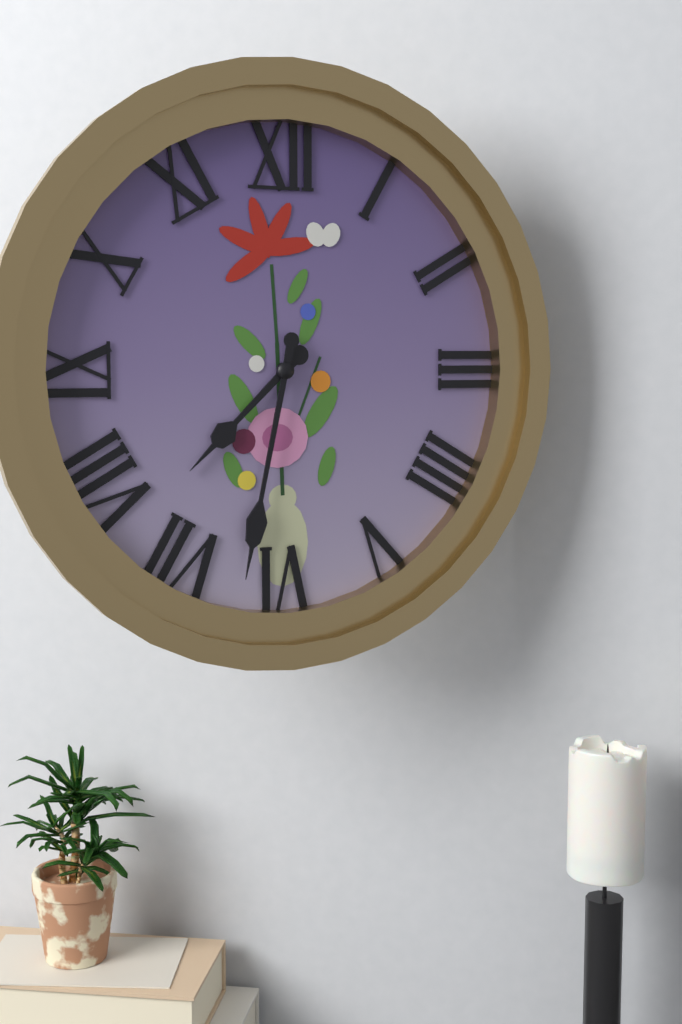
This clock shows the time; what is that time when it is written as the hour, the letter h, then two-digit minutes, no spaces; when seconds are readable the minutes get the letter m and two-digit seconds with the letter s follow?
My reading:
7h32
